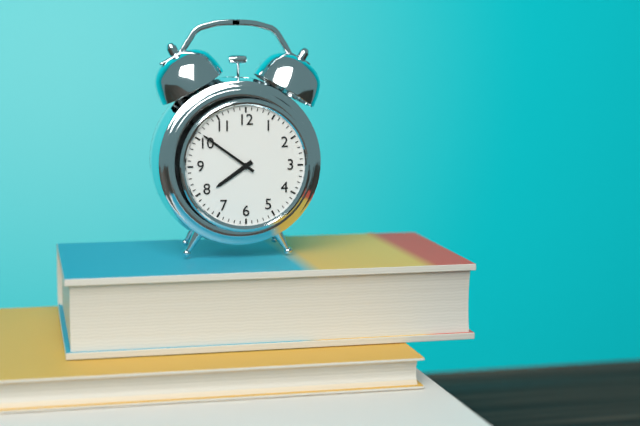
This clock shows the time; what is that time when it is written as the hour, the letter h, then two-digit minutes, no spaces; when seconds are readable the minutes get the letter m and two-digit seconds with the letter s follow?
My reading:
7h51
